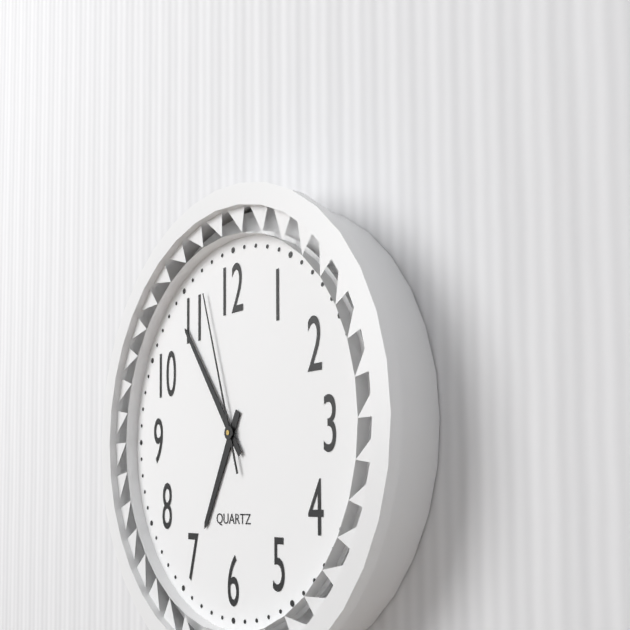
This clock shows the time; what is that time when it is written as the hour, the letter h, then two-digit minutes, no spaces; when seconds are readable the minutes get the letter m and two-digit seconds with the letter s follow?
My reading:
6h54m57s
